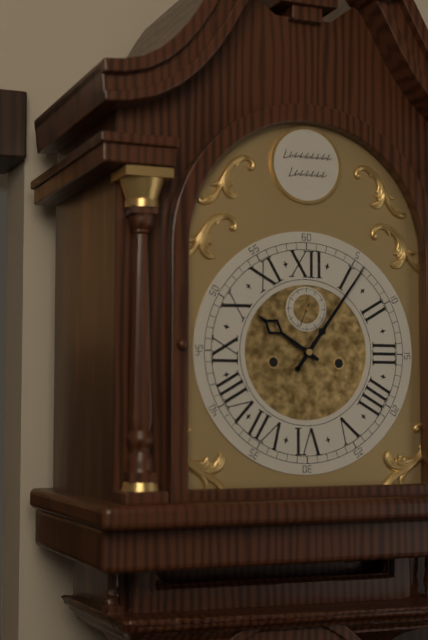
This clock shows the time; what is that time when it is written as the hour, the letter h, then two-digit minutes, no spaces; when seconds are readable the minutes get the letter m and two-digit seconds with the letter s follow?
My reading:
10h06m34s
